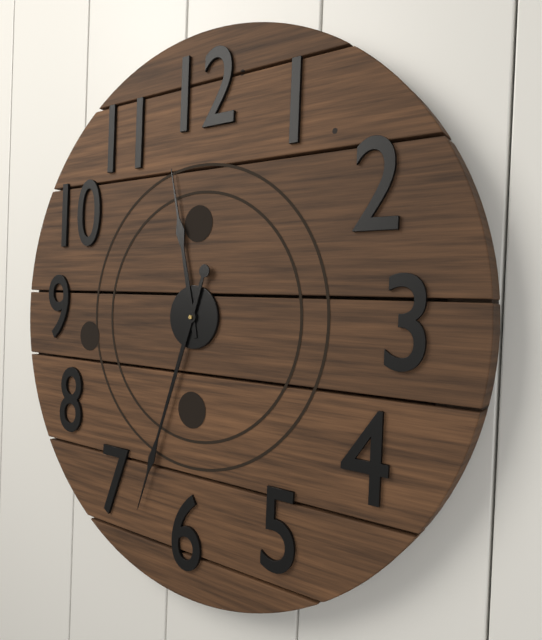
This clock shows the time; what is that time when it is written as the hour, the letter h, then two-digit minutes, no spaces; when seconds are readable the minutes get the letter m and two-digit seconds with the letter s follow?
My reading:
11h33
